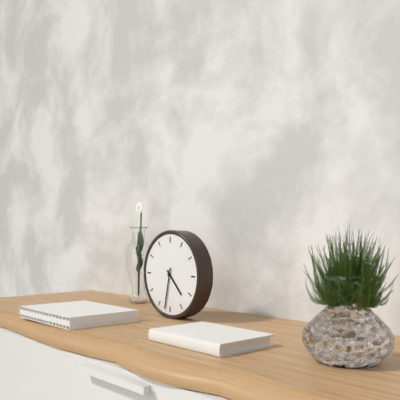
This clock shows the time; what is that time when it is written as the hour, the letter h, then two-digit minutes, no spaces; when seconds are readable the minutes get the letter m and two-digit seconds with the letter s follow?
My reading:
4h32
